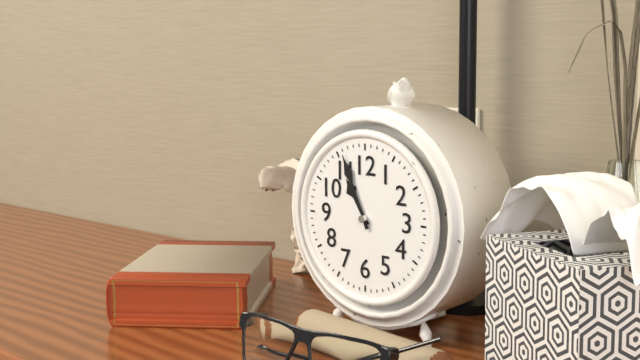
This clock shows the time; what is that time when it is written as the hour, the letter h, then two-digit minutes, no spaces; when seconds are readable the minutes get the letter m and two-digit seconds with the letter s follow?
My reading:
10h56
